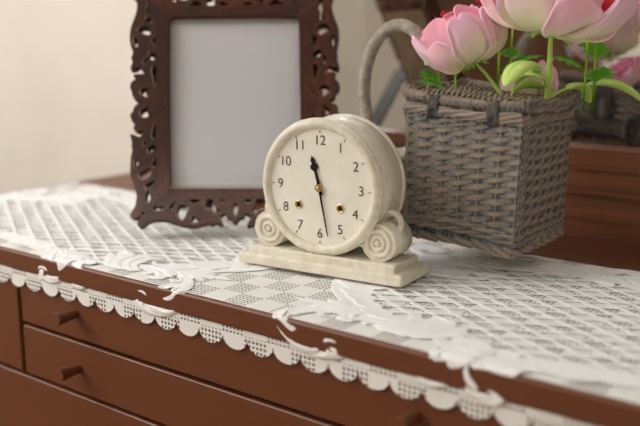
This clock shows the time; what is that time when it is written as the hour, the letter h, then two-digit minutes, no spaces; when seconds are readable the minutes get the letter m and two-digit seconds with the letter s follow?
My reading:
11h28
